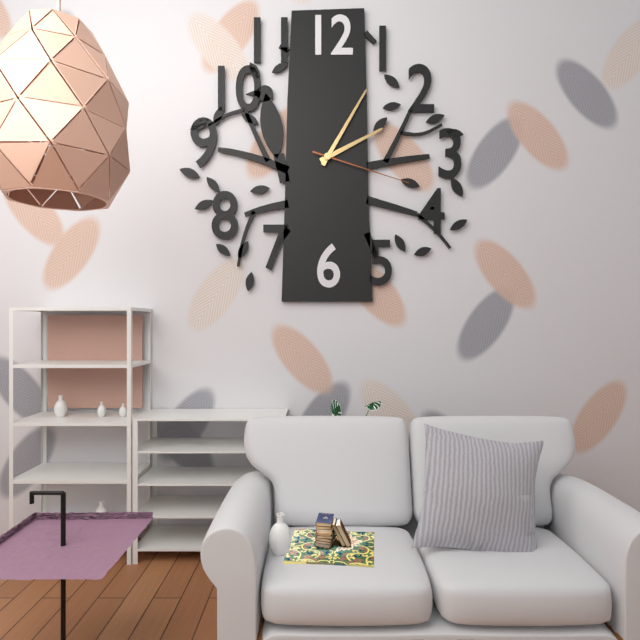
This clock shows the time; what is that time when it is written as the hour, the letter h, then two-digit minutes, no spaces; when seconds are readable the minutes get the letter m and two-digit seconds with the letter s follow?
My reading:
2h05m18s
